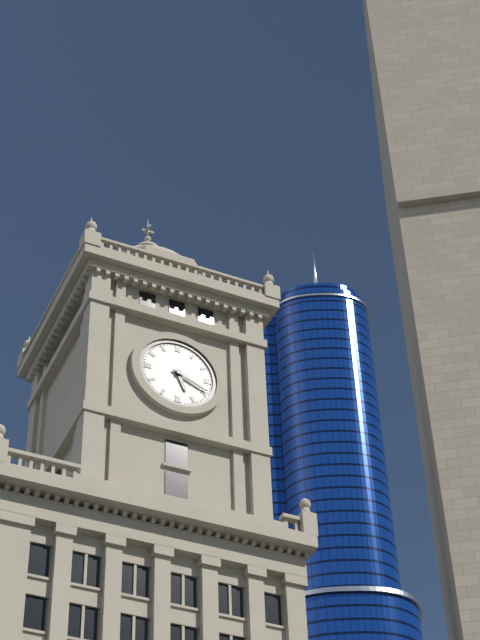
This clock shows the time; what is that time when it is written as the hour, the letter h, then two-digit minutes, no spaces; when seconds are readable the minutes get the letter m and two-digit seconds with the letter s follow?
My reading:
5h19
